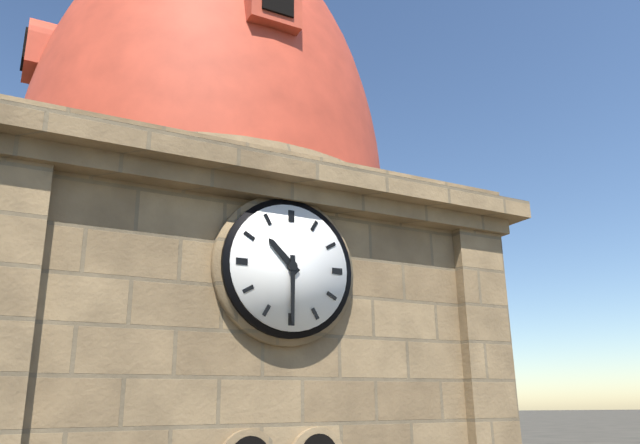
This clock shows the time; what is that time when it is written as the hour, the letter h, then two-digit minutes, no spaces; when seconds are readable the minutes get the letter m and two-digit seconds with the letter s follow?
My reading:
10h30
